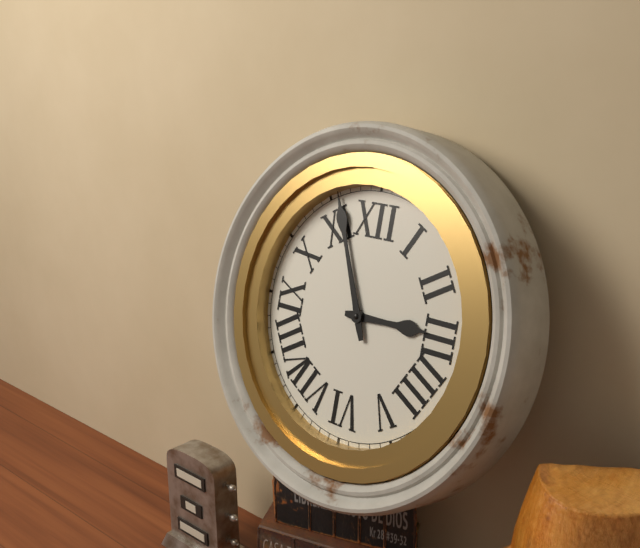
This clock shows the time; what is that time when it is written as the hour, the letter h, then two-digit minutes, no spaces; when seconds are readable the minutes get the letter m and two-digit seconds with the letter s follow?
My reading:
2h56
